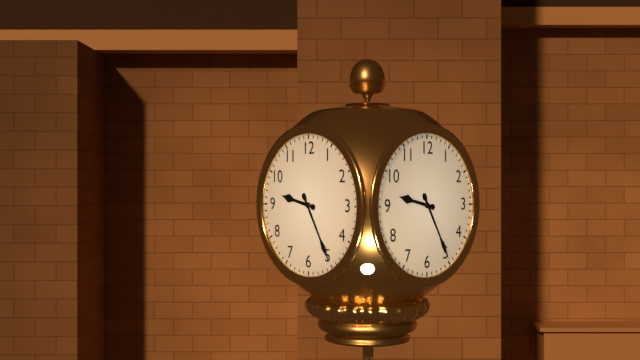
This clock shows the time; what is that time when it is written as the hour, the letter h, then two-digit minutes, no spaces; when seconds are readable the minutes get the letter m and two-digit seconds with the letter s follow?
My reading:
9h25
